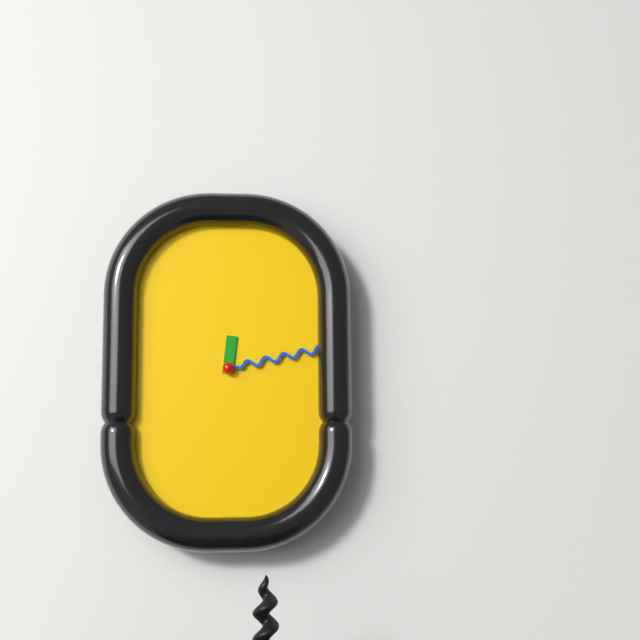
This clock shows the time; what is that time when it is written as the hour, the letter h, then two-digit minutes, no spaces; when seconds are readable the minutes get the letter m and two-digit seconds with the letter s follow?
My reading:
12h13
